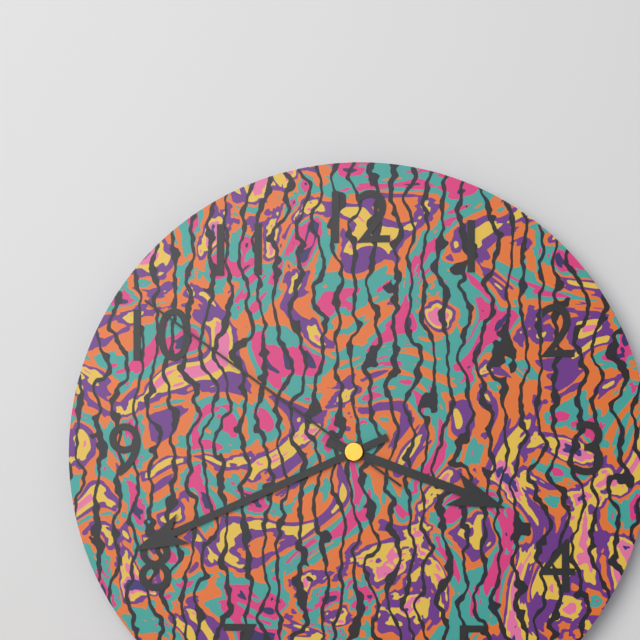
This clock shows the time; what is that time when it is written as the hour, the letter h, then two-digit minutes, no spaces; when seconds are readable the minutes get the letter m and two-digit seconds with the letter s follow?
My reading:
3h41m51s
